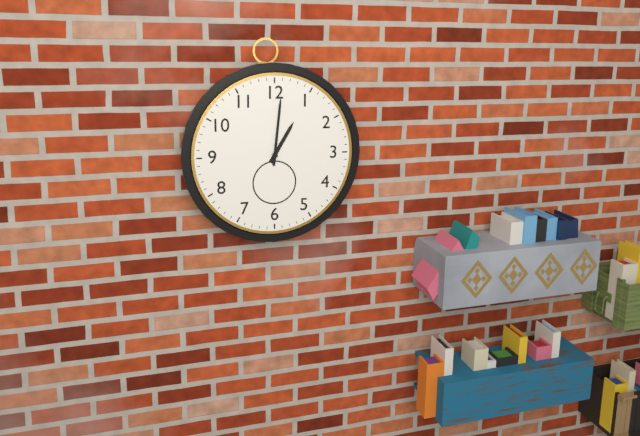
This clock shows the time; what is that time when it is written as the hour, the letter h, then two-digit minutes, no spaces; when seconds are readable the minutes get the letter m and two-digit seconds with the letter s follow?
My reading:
1h01
